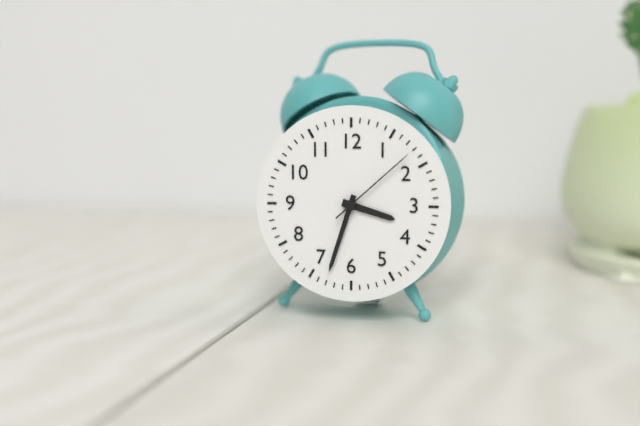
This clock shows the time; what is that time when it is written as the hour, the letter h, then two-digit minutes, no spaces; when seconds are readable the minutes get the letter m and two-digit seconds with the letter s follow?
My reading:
3h33m08s
